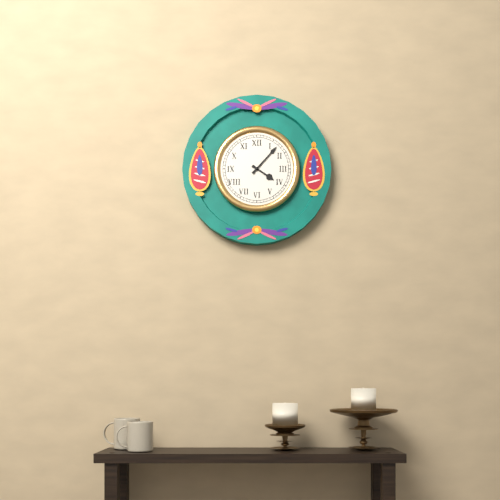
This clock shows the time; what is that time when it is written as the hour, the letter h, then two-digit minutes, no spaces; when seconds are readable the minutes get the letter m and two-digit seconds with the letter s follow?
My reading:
4h07
